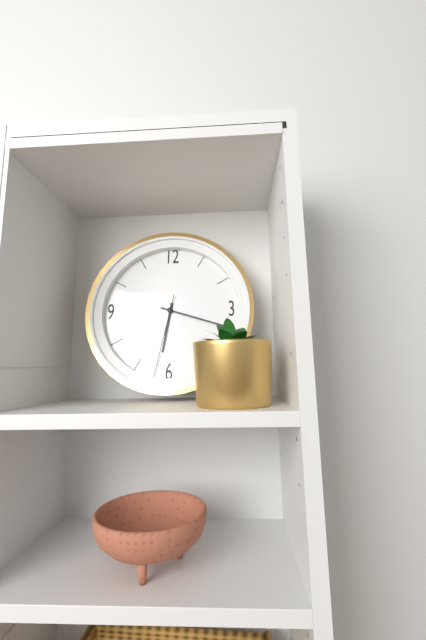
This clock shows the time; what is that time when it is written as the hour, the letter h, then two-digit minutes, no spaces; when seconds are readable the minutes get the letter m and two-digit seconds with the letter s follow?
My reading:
6h18m32s
